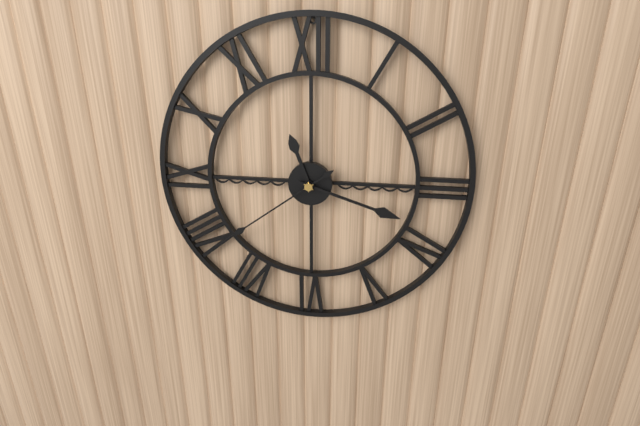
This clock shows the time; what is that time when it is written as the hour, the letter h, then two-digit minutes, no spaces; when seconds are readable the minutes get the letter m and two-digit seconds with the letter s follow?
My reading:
11h18m39s
